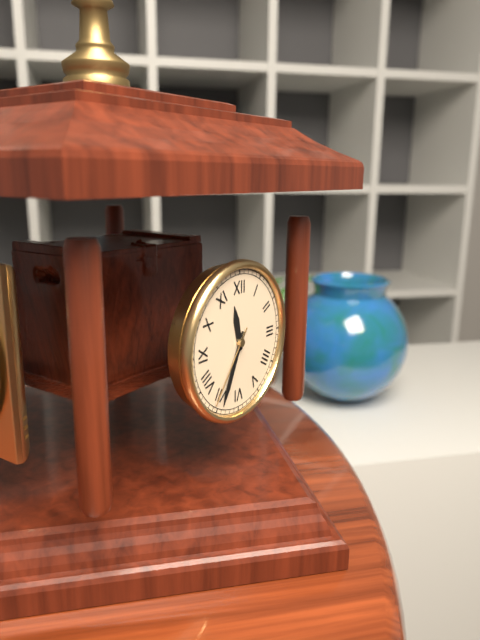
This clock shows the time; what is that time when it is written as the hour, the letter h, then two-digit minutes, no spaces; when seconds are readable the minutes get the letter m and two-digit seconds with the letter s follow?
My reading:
11h34m36s
